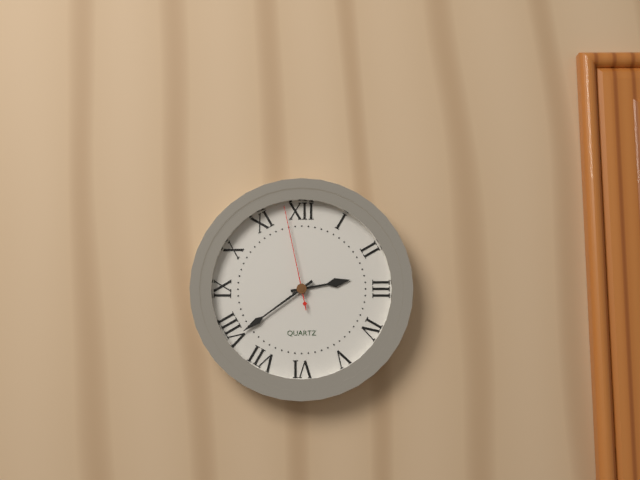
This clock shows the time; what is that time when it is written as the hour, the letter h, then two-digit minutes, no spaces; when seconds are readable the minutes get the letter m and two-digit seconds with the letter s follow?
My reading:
2h39m58s
